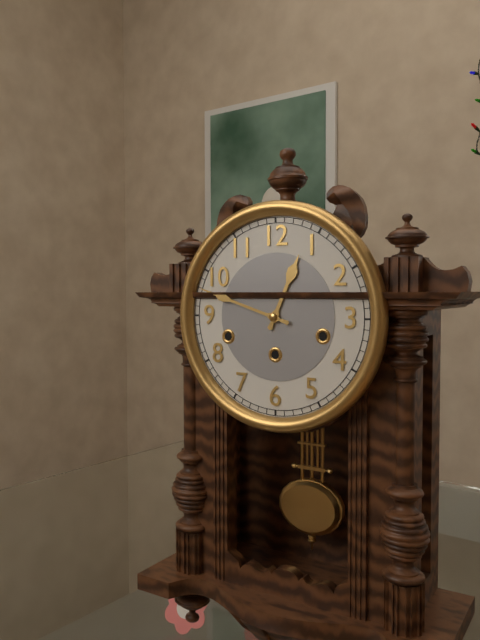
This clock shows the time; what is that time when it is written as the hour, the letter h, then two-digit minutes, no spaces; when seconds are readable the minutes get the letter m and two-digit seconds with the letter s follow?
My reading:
12h48
